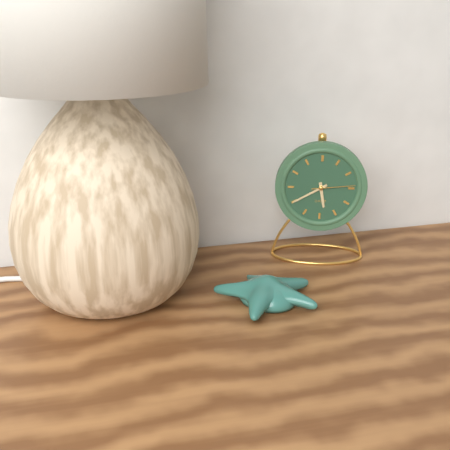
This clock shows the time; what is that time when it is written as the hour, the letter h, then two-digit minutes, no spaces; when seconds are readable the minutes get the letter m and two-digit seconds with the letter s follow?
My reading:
5h40
